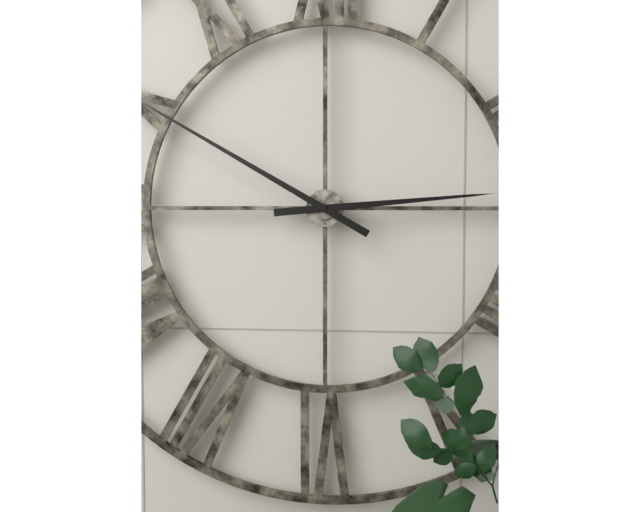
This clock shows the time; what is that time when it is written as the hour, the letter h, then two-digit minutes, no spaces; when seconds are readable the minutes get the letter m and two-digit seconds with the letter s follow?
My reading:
2h50
